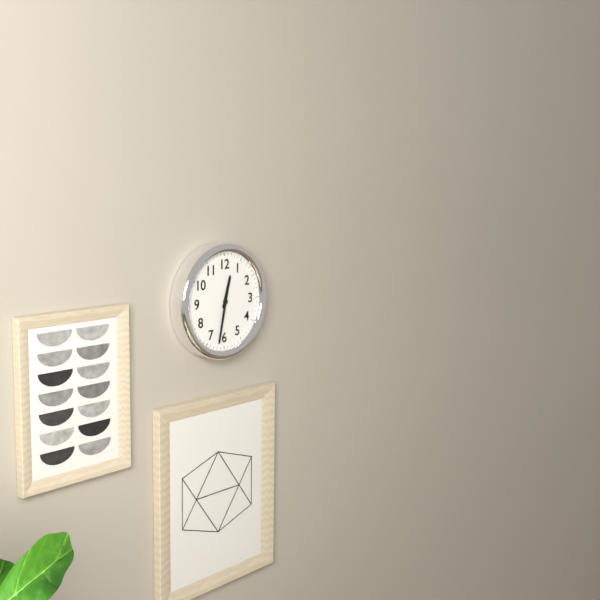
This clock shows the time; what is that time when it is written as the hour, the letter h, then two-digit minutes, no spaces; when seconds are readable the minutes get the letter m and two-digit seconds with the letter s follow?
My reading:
12h32
